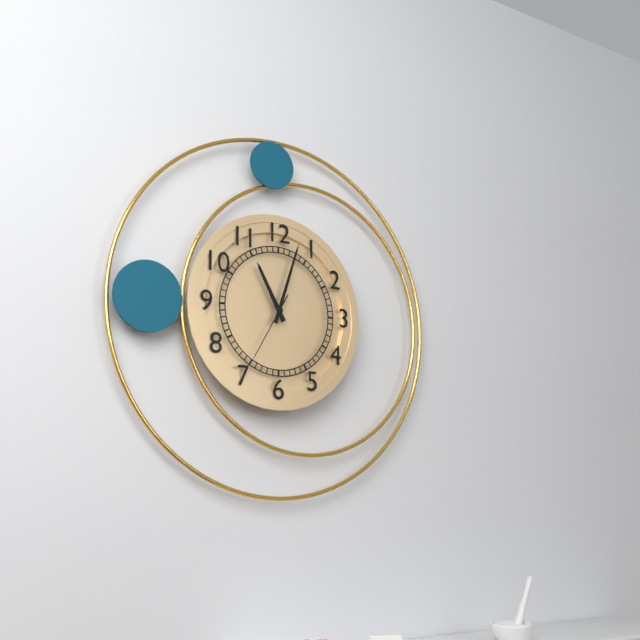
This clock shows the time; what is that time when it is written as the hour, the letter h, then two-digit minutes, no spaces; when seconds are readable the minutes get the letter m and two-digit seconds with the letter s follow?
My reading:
11h03m35s
